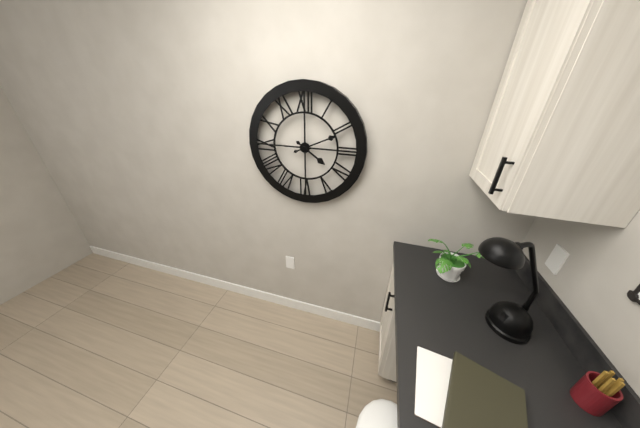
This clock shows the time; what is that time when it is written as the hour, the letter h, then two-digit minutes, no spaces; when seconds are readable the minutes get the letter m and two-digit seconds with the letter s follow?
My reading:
4h11
